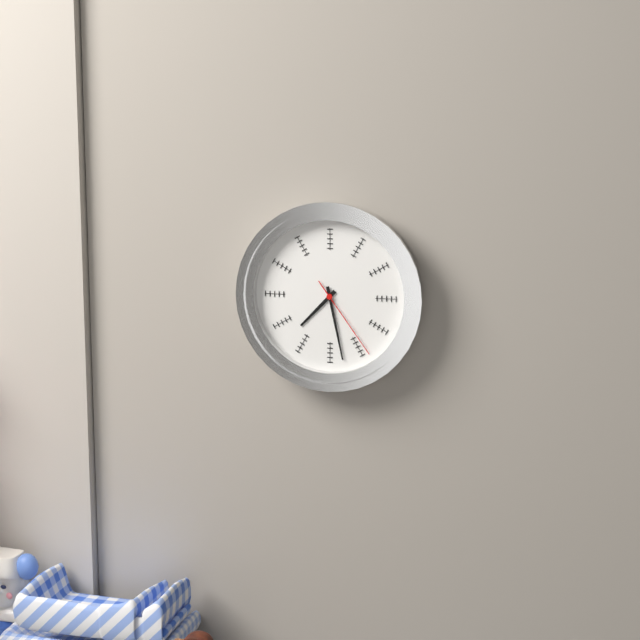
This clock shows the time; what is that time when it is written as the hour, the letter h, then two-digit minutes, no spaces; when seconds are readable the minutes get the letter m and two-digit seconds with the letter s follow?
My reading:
7h28m24s
